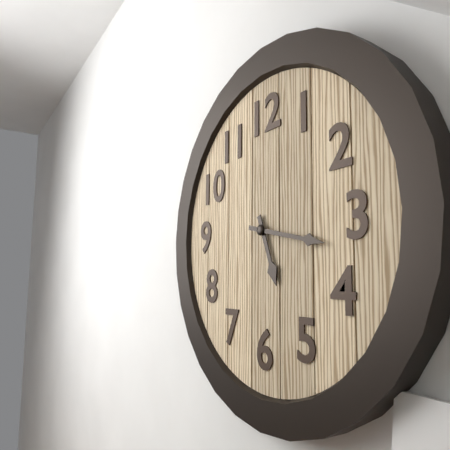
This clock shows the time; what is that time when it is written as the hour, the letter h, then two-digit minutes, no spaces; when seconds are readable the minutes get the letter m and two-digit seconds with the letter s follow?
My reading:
5h17
